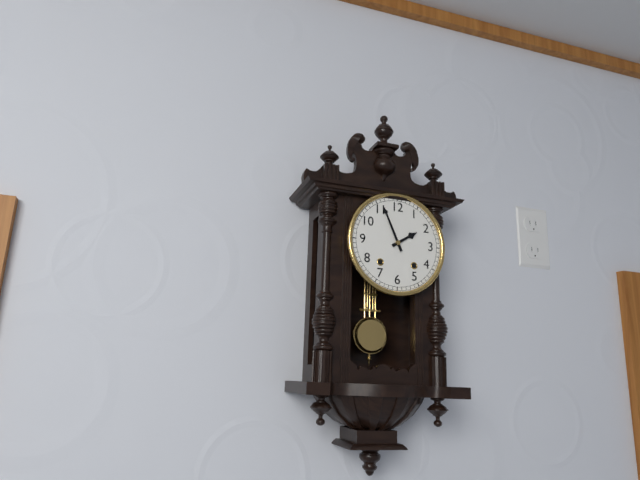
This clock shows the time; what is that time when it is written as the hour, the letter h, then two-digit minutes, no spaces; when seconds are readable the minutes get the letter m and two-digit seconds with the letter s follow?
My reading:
1h56
